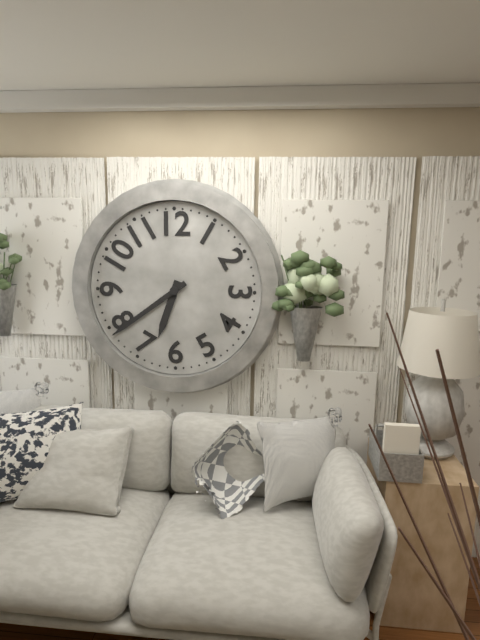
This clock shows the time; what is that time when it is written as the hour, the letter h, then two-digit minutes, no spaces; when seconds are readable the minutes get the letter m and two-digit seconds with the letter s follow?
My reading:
6h39
